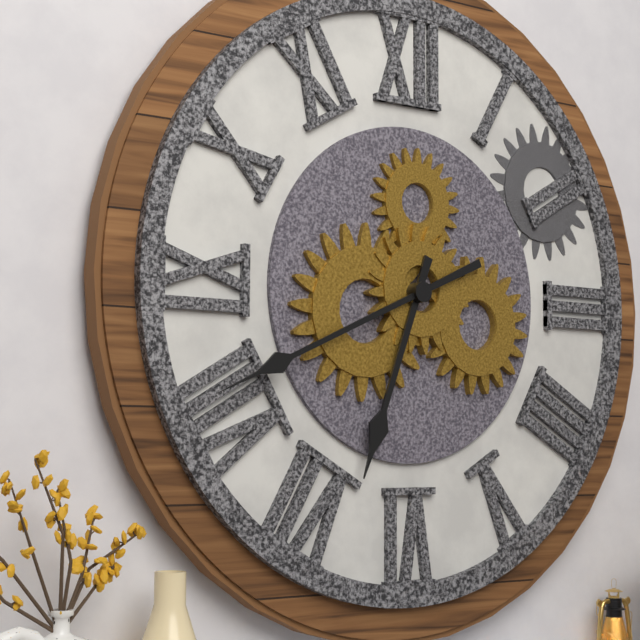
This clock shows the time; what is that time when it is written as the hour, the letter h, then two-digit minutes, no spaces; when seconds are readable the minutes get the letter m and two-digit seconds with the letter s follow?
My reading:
6h41
